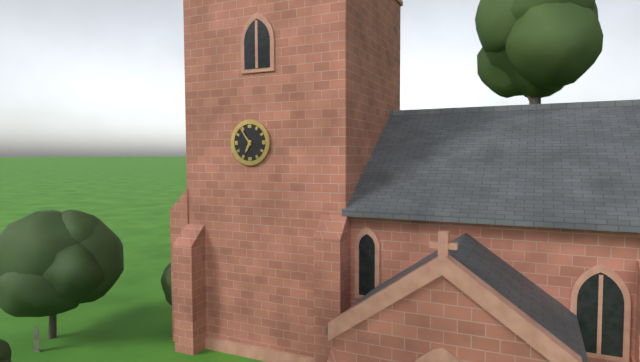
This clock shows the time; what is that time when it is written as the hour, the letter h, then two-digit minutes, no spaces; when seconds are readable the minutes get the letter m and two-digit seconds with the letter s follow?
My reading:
6h54
